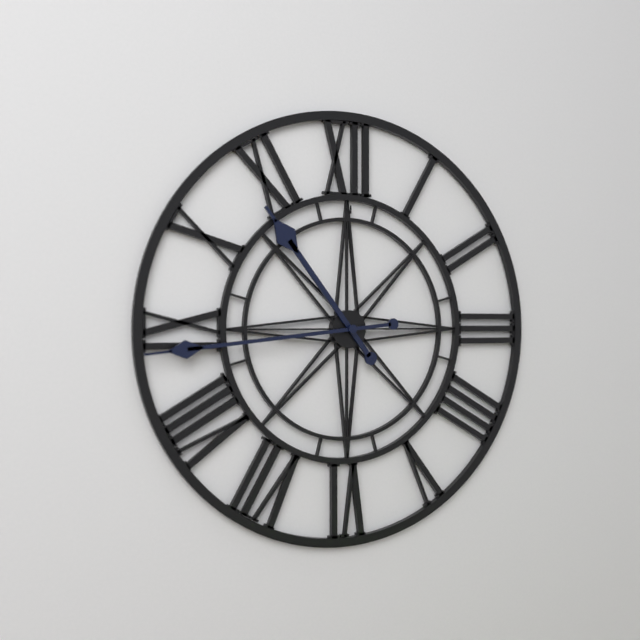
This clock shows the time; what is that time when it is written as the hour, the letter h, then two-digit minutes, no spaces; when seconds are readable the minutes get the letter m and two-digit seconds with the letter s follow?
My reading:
10h44
